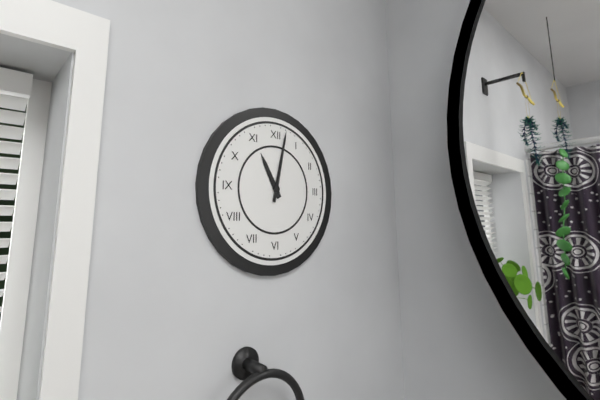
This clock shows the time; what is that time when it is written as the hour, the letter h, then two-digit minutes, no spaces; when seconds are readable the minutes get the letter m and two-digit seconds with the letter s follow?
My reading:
11h02
